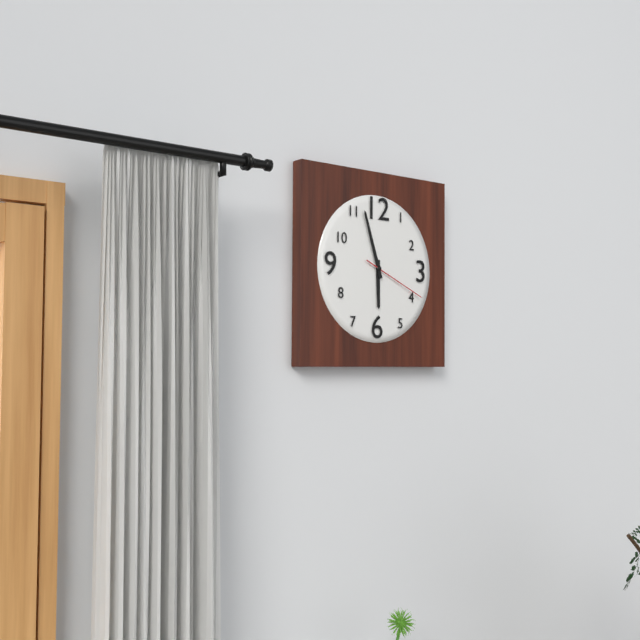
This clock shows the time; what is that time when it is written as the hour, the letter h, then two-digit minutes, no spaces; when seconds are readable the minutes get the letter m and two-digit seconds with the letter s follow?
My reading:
5h57m19s
